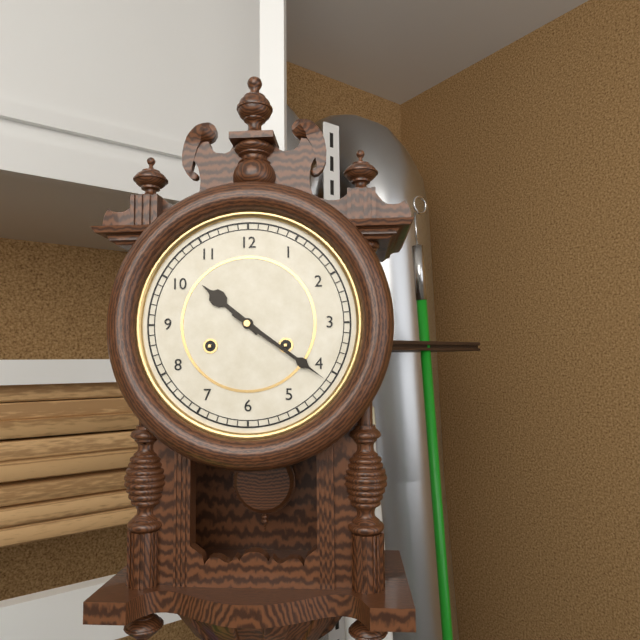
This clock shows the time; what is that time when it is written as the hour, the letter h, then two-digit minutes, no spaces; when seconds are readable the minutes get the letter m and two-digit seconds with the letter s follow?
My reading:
10h21
